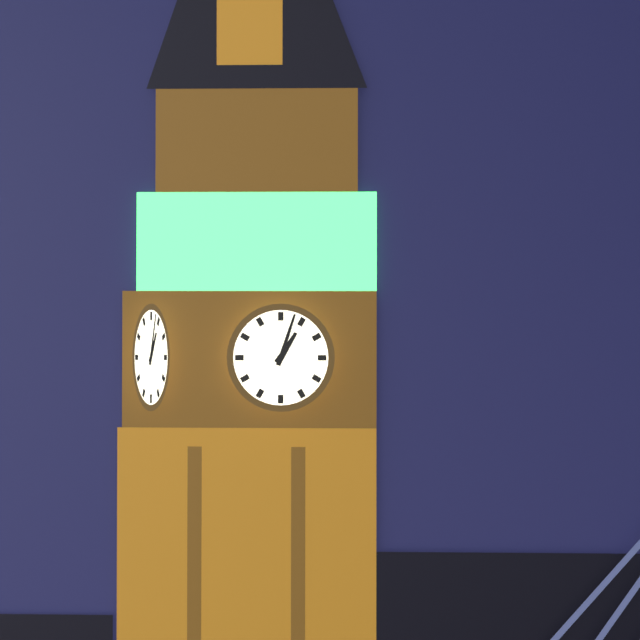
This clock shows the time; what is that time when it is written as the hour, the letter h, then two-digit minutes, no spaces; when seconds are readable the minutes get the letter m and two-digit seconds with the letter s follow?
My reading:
1h03
